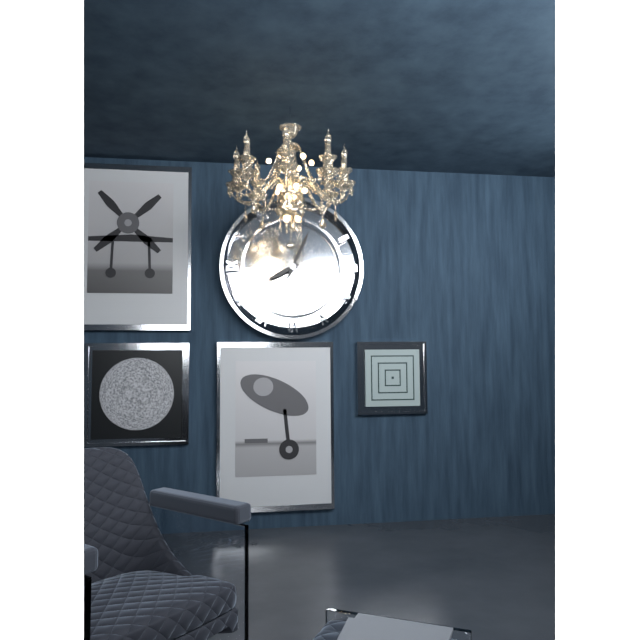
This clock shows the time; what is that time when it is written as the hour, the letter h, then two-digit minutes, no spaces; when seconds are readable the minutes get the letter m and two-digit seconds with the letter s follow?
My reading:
8h04
